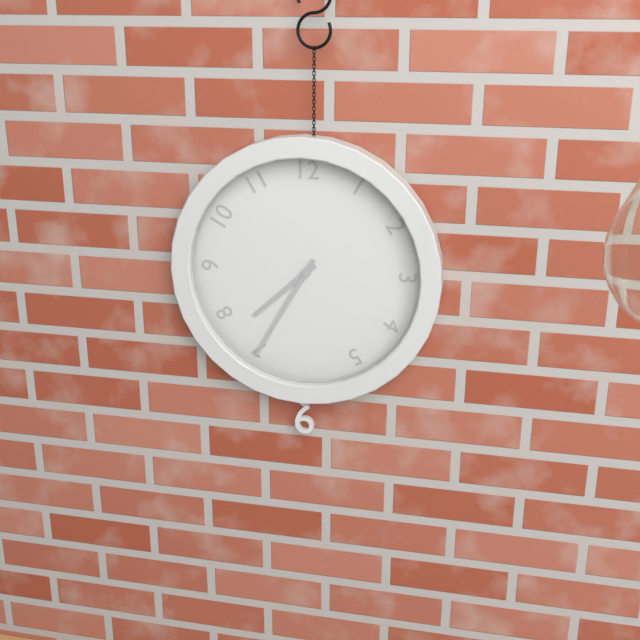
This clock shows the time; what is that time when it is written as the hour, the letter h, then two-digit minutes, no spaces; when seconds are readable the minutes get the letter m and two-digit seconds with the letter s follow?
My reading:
7h35
